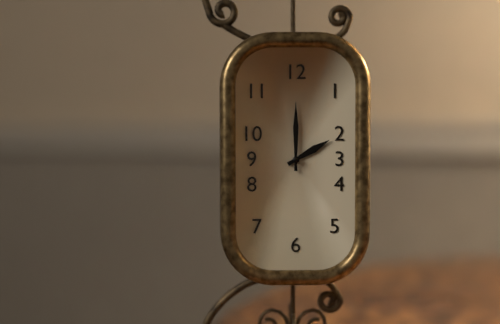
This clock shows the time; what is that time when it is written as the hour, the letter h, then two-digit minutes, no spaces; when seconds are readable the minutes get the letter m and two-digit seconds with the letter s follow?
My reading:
2h00
